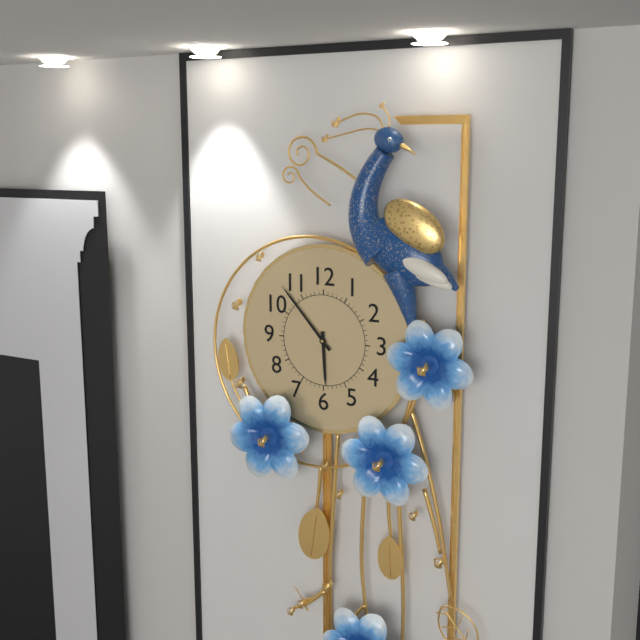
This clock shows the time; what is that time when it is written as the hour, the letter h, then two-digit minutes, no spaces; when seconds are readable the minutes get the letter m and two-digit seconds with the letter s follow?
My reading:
5h53
